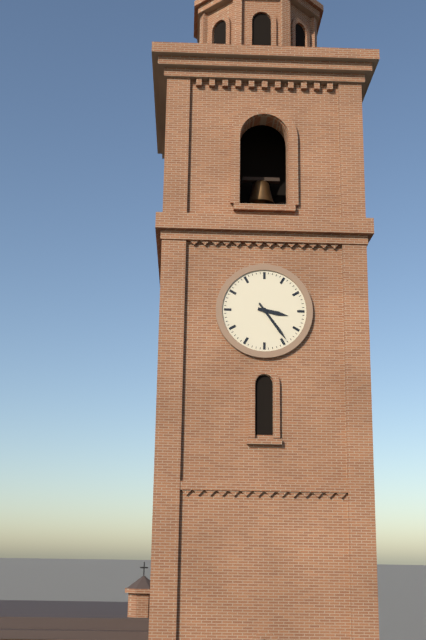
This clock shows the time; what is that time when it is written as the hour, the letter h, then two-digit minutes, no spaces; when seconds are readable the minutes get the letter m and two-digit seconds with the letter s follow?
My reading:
3h24
